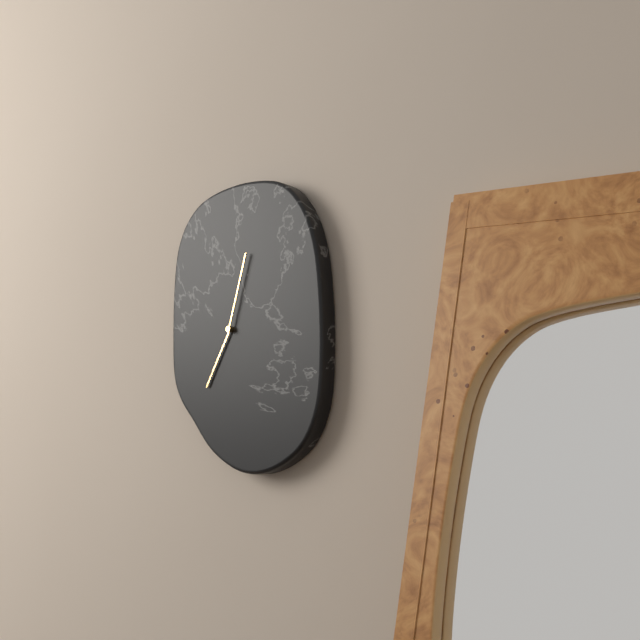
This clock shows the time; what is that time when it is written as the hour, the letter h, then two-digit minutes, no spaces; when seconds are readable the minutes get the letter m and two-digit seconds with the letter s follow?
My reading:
7h03
